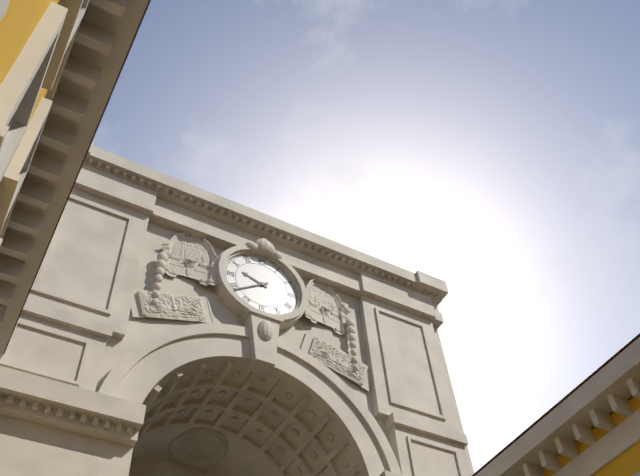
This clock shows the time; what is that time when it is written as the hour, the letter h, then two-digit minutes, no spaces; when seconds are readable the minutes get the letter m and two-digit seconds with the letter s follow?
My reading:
9h39
